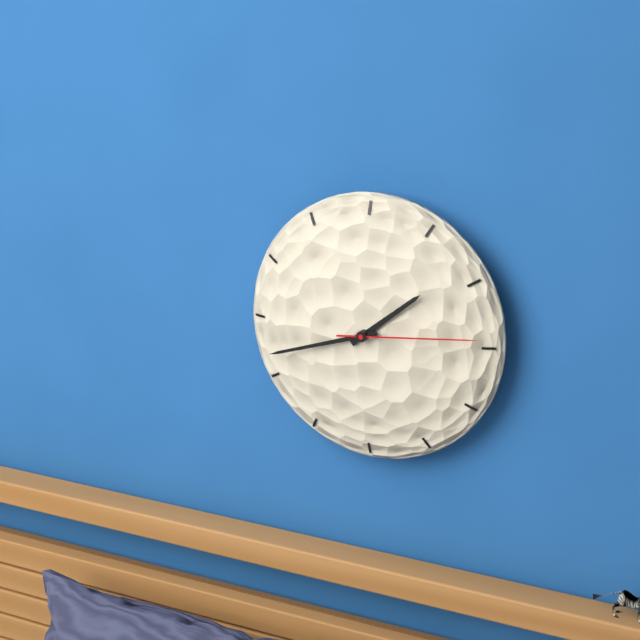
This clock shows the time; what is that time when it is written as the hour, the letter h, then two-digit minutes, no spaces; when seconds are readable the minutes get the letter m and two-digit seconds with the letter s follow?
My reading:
1h42m14s
